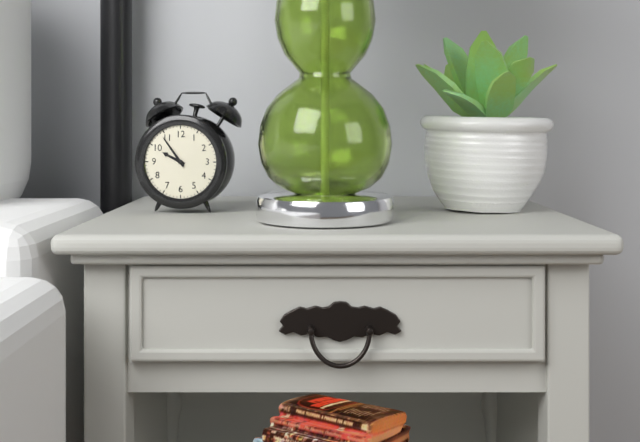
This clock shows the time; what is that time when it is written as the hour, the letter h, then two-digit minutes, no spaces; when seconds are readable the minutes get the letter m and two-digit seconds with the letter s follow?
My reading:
9h54
